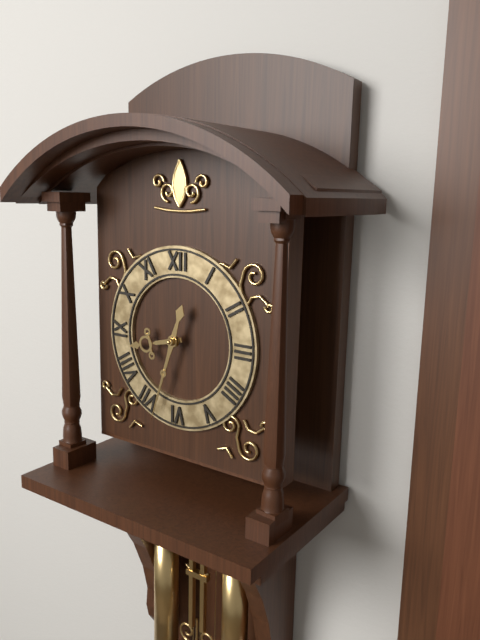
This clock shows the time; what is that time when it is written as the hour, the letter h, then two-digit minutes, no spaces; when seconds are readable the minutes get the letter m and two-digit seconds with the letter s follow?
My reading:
8h33
